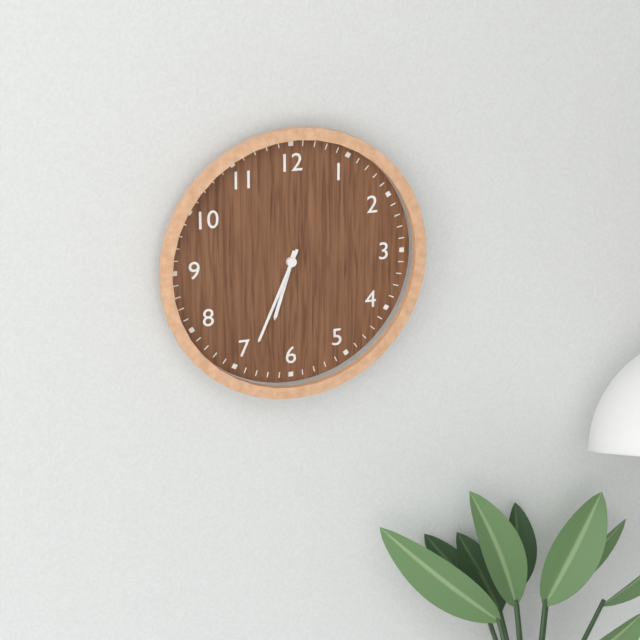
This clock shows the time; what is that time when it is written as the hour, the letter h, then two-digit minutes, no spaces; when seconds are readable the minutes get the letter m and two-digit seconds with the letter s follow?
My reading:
6h34
